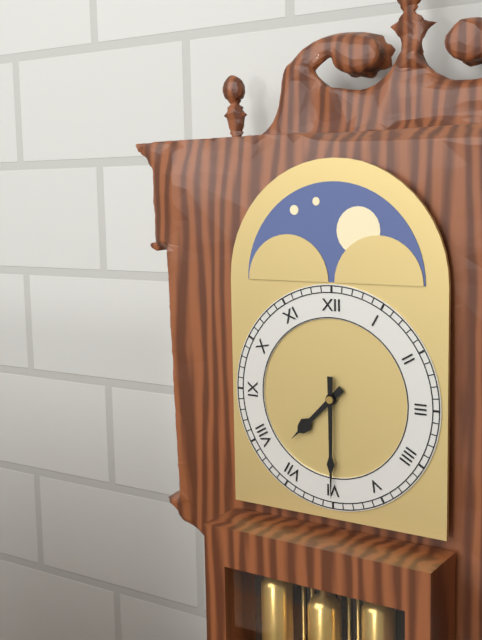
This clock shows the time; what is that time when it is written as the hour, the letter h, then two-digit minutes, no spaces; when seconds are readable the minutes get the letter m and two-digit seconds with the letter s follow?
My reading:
7h30
